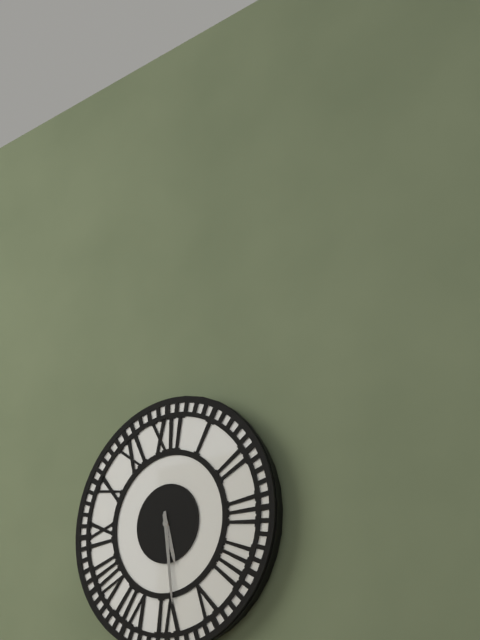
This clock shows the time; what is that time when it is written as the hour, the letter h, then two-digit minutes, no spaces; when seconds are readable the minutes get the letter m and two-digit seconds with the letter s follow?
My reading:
5h29
